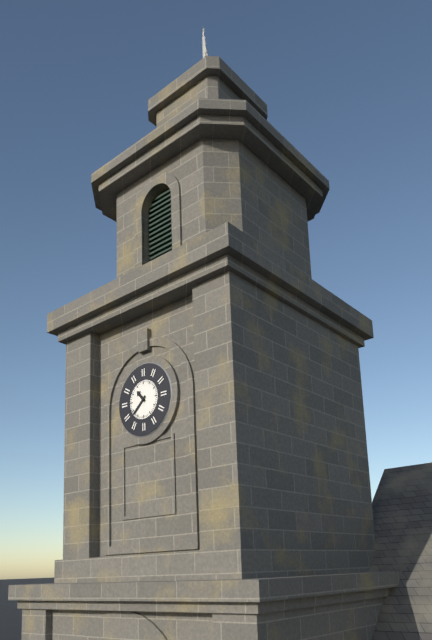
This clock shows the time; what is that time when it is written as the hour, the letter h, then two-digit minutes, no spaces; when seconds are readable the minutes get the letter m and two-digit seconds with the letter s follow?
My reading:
10h38
